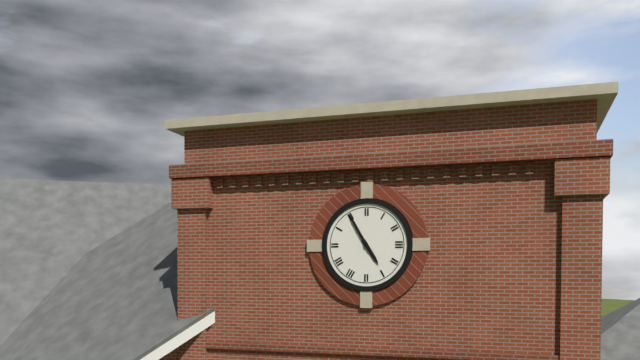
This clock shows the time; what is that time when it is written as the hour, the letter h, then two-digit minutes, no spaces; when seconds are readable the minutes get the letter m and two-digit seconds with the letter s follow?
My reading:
4h55
